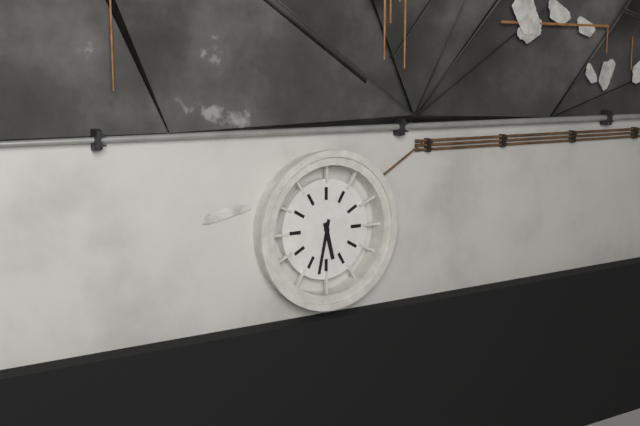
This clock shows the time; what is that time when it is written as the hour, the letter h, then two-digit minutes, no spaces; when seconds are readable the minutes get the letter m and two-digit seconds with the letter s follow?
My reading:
5h32
